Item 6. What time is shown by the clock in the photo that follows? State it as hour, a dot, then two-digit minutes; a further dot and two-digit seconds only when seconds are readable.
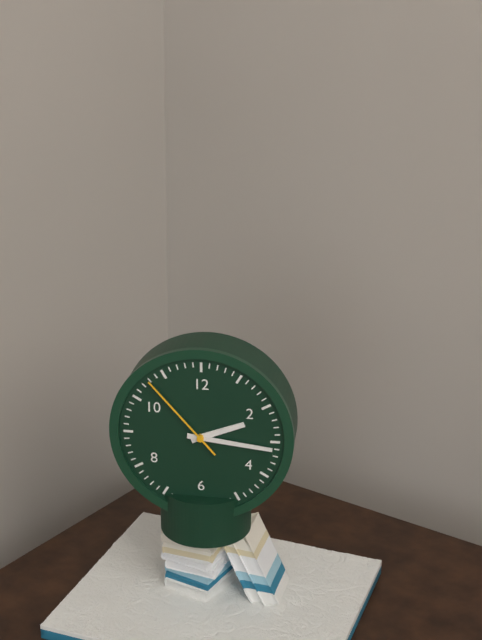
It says 2.16.53
